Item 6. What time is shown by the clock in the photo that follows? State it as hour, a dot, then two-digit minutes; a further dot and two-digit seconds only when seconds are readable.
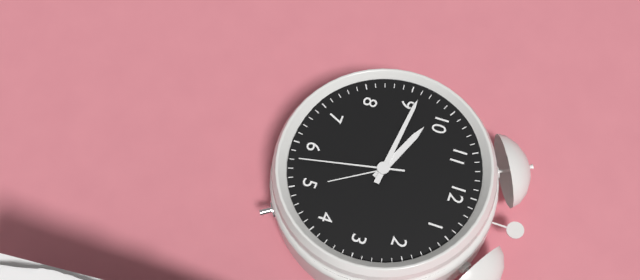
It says 9.46.28
